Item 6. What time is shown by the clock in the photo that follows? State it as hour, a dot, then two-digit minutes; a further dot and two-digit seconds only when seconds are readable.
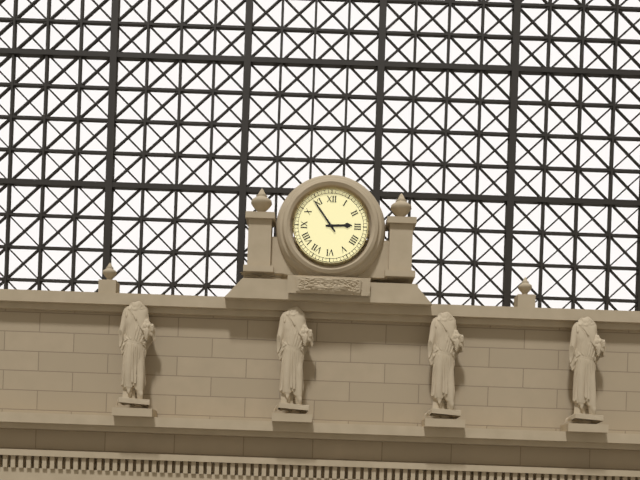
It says 2.54
